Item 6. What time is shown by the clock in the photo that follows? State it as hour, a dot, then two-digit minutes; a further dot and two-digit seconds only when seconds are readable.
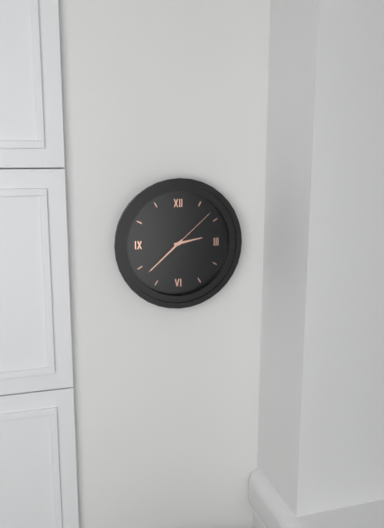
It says 2.38.08
